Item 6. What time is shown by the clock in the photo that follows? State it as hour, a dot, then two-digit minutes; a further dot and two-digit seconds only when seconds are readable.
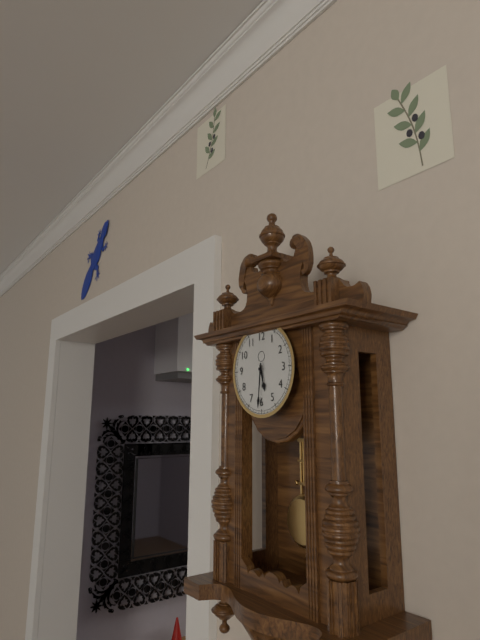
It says 5.31
